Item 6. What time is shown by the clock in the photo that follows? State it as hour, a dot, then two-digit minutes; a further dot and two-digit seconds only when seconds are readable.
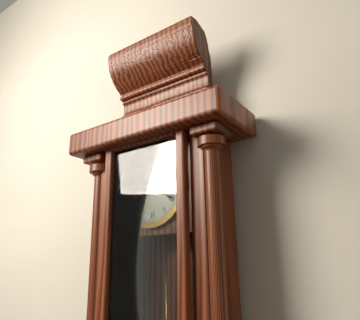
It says 11.20
